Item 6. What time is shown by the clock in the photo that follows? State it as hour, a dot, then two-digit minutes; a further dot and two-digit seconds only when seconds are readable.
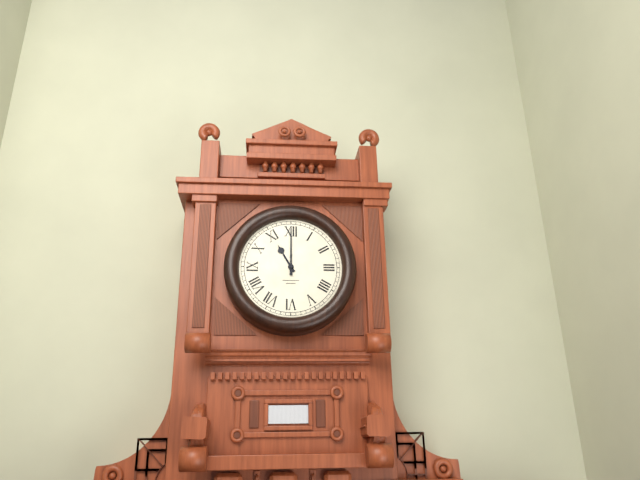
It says 11.00
